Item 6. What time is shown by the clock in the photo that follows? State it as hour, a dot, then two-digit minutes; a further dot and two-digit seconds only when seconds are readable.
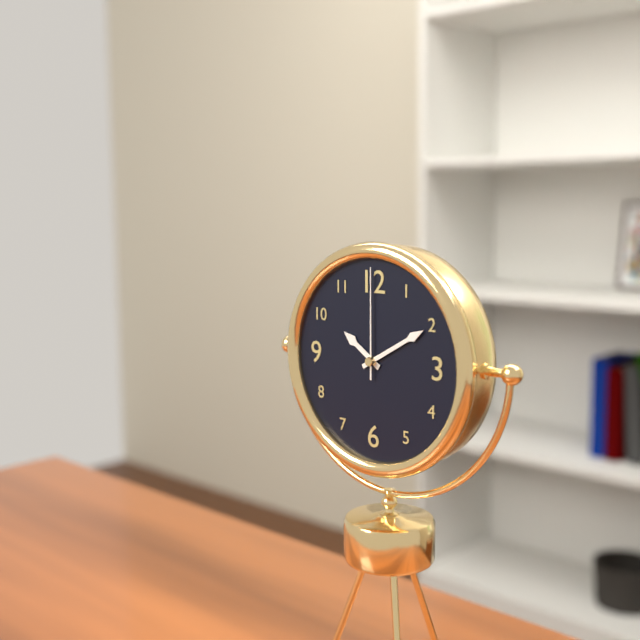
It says 10.10.00
